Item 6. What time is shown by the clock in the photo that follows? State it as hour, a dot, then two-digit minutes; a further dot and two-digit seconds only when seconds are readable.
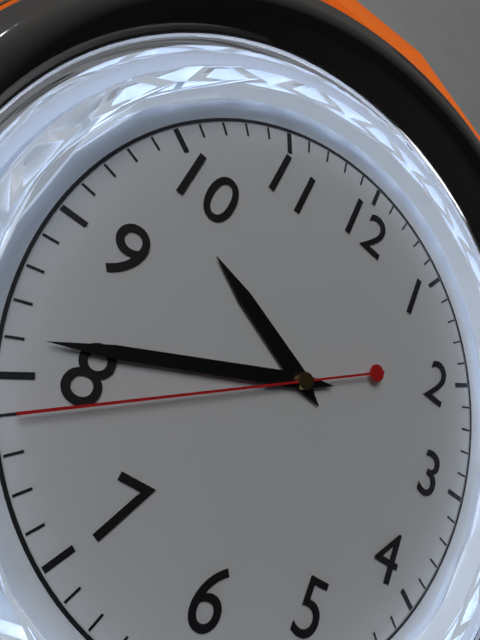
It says 9.41.39
